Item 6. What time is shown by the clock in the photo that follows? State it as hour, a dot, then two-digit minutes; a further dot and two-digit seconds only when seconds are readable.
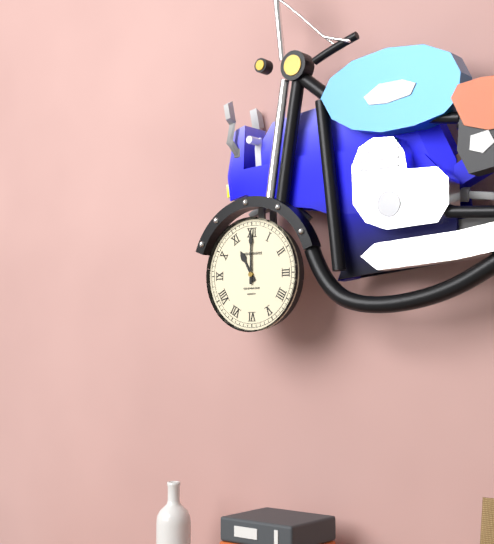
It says 11.00
